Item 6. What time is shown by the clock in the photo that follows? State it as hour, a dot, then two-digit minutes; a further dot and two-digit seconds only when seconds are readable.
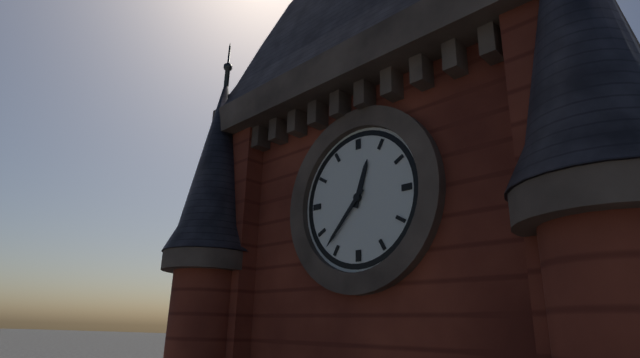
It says 12.37
